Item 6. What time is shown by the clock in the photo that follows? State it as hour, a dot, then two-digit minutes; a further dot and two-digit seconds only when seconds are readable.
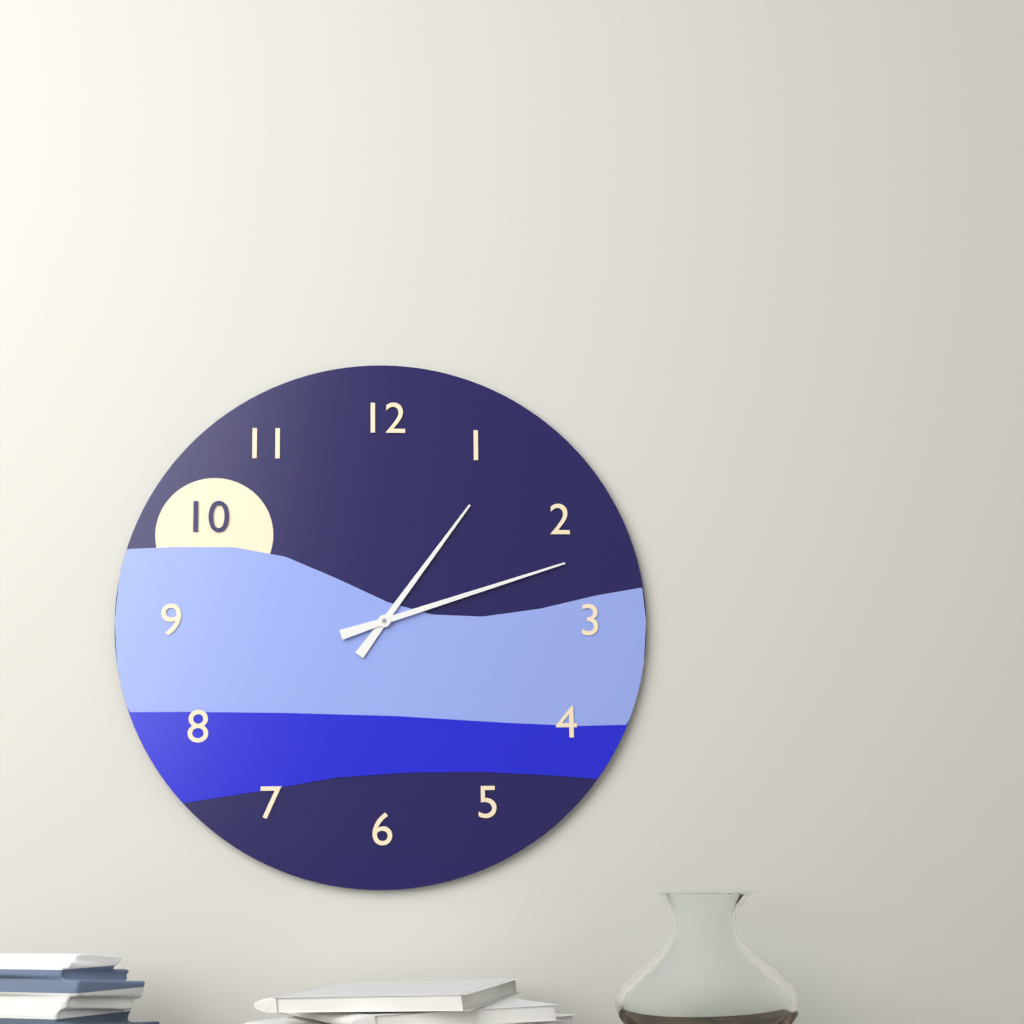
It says 1.12
